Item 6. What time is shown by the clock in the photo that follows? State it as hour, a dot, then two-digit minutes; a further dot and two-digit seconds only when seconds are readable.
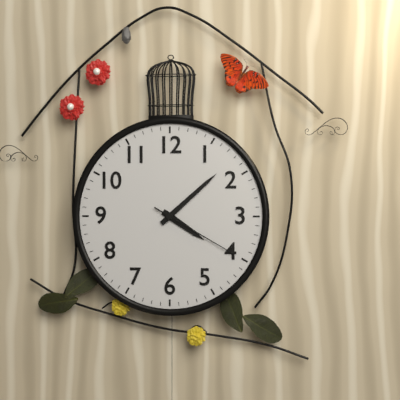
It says 4.08.20
